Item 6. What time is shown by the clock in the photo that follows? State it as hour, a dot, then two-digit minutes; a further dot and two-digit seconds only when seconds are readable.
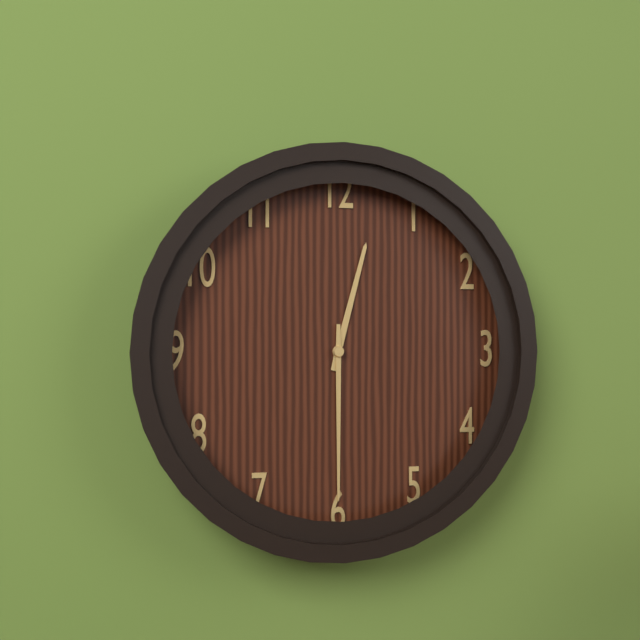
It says 12.30
